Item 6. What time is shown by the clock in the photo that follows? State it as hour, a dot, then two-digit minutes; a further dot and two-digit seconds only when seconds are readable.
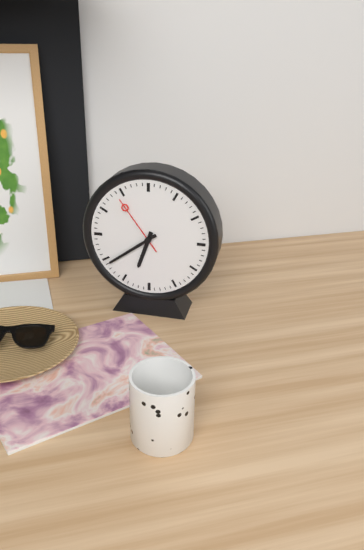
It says 6.39.54
